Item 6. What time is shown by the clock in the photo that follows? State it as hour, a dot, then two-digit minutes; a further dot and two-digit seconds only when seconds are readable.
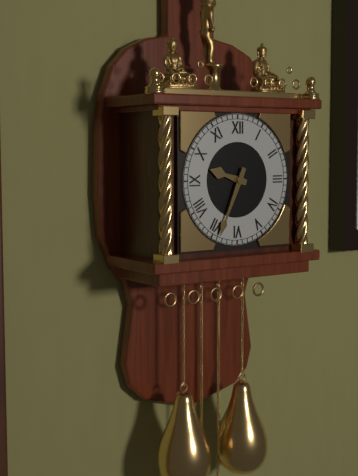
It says 9.34
